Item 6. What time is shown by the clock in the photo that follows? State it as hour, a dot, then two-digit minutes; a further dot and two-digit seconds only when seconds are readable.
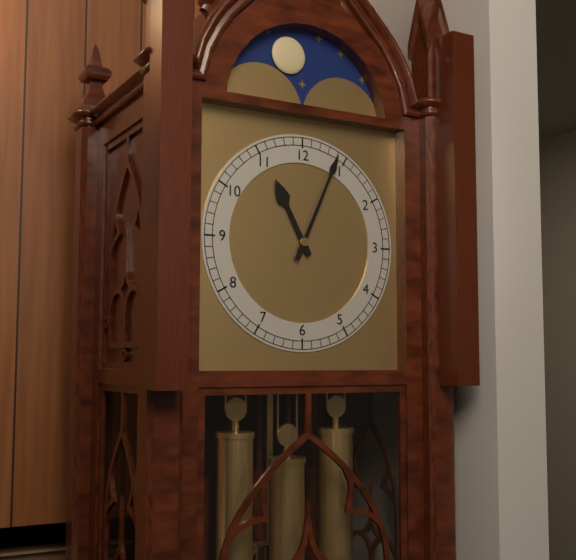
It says 11.04
